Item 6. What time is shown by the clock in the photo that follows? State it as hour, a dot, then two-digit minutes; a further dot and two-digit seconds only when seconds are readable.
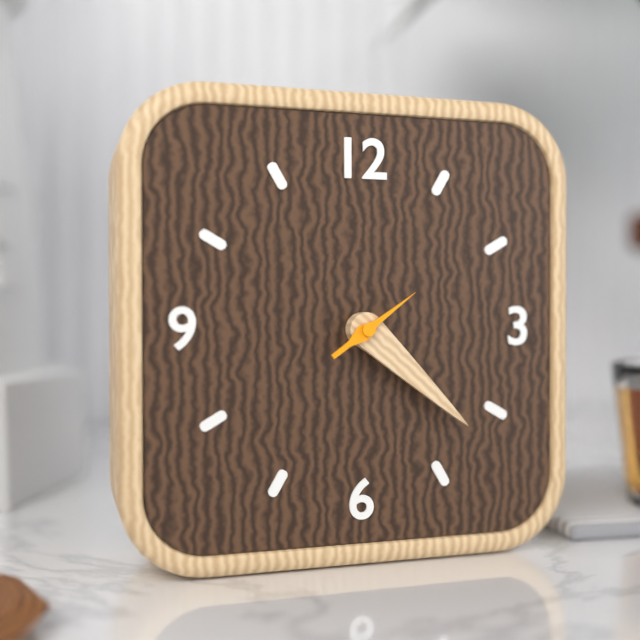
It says 4.22.09
